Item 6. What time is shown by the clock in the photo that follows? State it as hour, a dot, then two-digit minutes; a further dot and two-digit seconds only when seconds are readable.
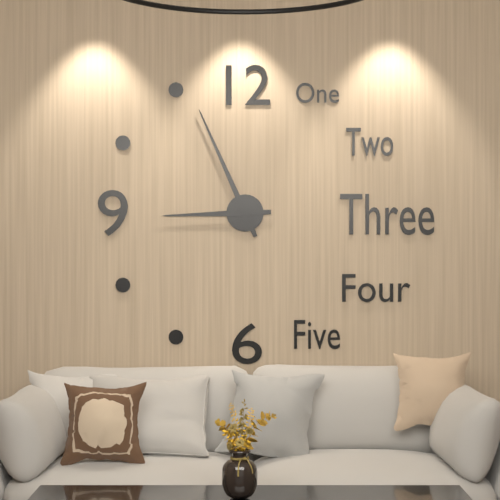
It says 8.56
